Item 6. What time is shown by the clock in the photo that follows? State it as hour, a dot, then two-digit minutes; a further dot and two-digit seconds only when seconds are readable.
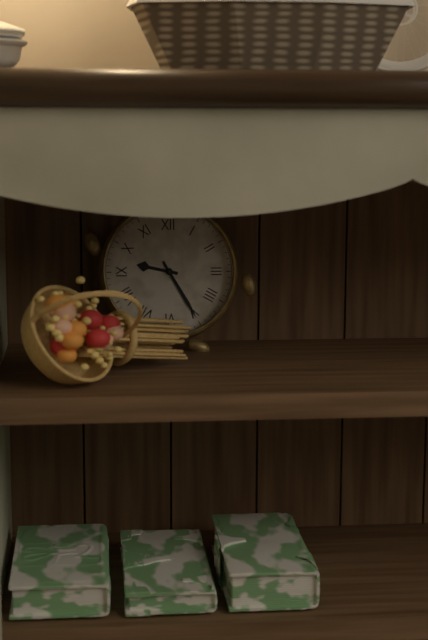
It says 9.25
